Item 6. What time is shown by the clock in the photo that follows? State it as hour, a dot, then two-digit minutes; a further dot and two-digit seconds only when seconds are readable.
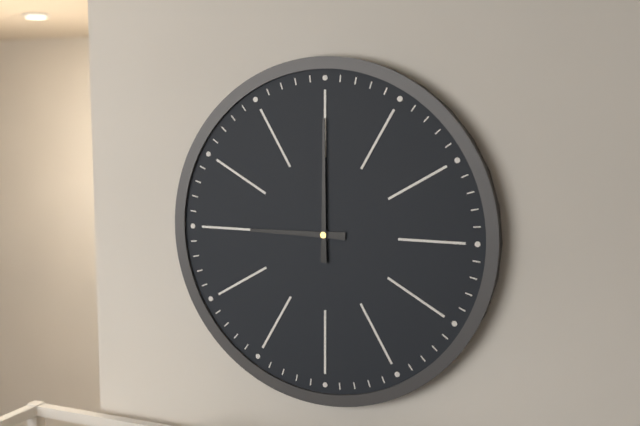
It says 9.00
